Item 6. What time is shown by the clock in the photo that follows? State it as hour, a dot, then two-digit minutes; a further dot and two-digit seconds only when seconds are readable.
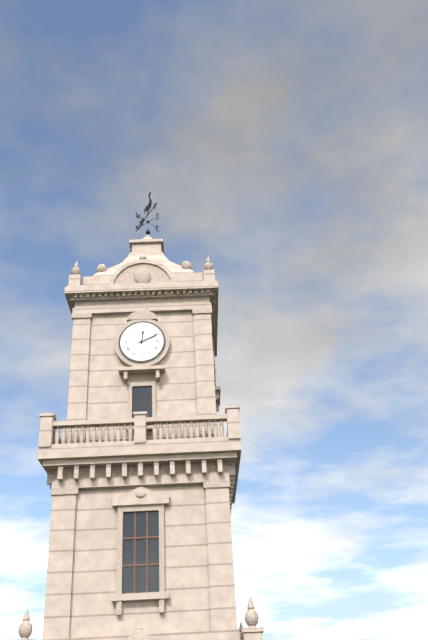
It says 12.11
